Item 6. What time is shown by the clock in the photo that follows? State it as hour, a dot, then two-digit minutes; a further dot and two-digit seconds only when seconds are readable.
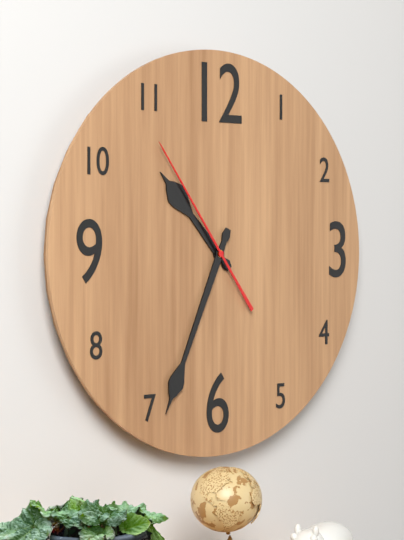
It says 10.34.54
